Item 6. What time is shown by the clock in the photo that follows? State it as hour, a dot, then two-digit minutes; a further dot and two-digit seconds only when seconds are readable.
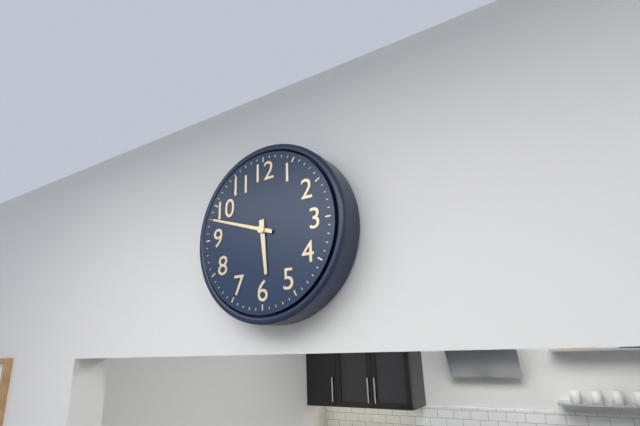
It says 5.48
